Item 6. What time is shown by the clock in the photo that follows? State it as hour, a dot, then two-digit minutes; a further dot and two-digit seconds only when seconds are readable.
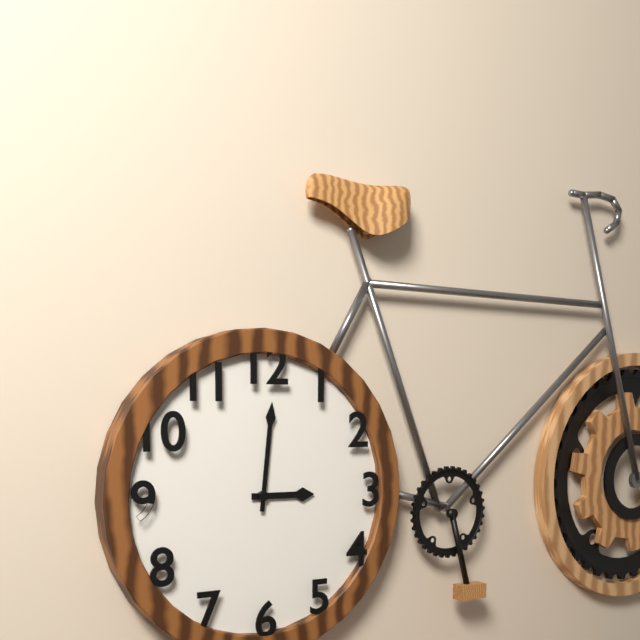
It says 3.01
